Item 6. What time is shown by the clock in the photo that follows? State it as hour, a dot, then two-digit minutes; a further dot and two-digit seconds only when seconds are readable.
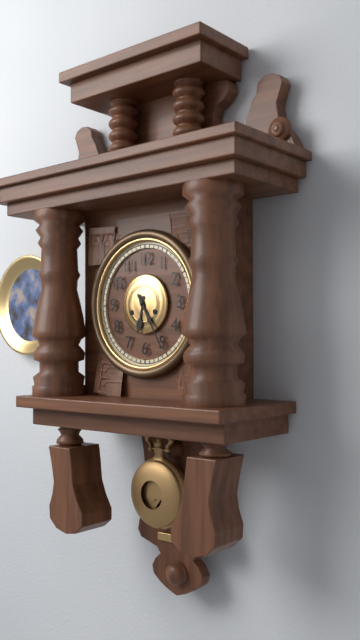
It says 6.25
